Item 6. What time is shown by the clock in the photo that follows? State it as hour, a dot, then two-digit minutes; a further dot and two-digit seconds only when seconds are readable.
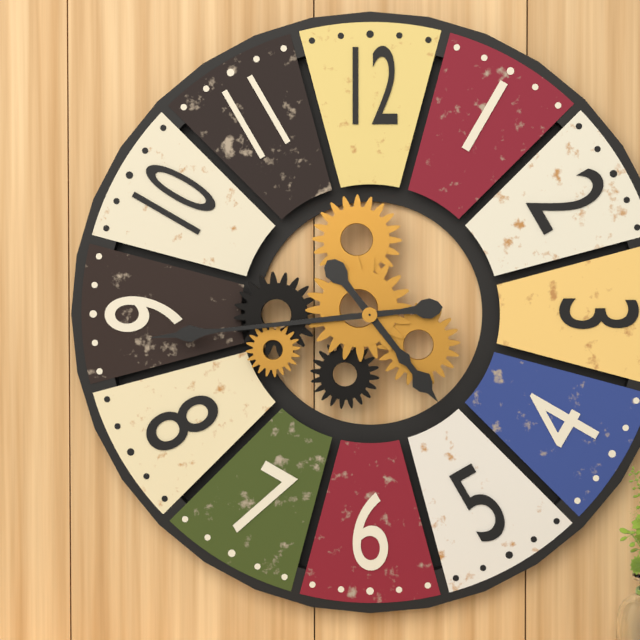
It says 4.44
